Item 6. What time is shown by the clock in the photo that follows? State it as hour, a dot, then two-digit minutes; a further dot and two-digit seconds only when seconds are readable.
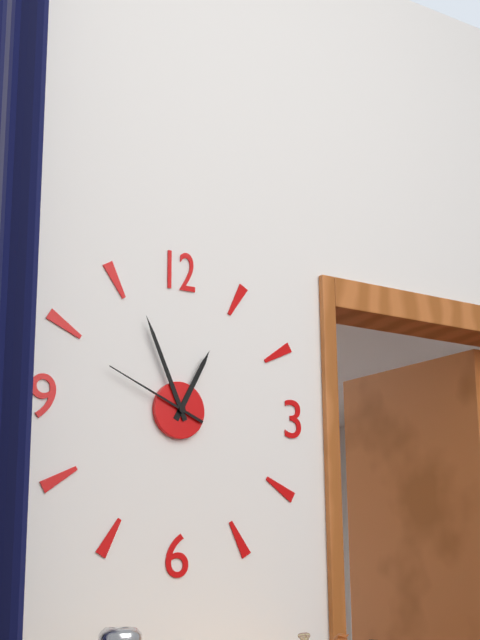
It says 12.56.49
